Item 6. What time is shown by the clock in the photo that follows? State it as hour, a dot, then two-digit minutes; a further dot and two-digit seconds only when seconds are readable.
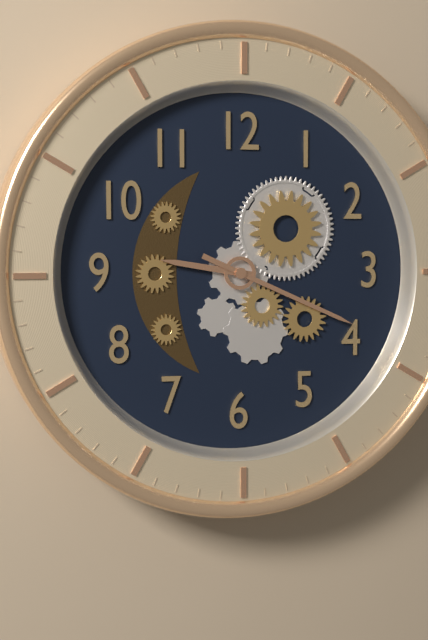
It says 9.19
